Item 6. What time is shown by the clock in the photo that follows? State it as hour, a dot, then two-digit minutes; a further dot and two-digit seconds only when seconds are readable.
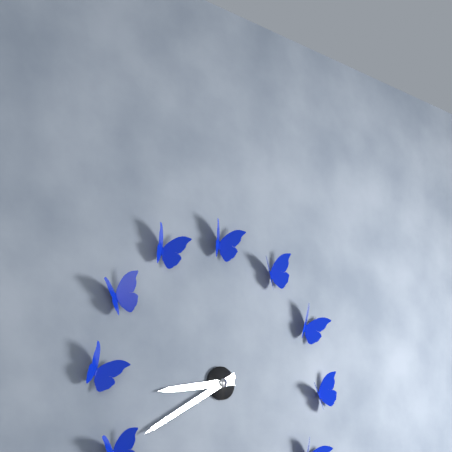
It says 8.40
